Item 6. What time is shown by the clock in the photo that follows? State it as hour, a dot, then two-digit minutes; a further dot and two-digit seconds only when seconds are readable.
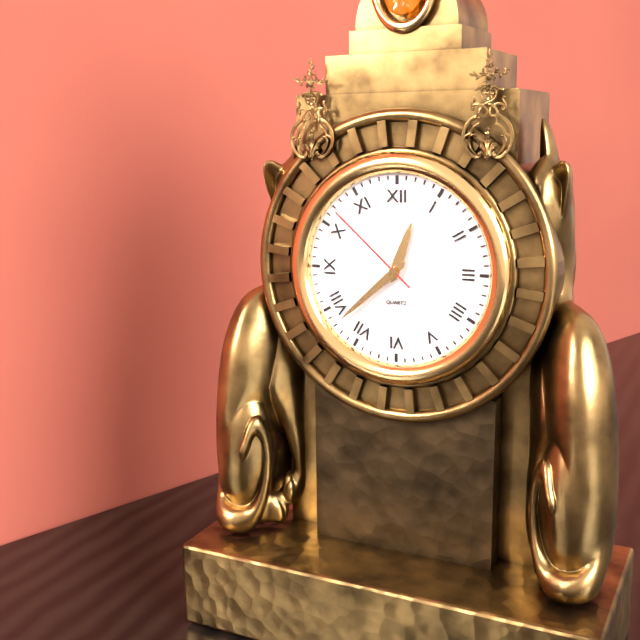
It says 12.38.52
